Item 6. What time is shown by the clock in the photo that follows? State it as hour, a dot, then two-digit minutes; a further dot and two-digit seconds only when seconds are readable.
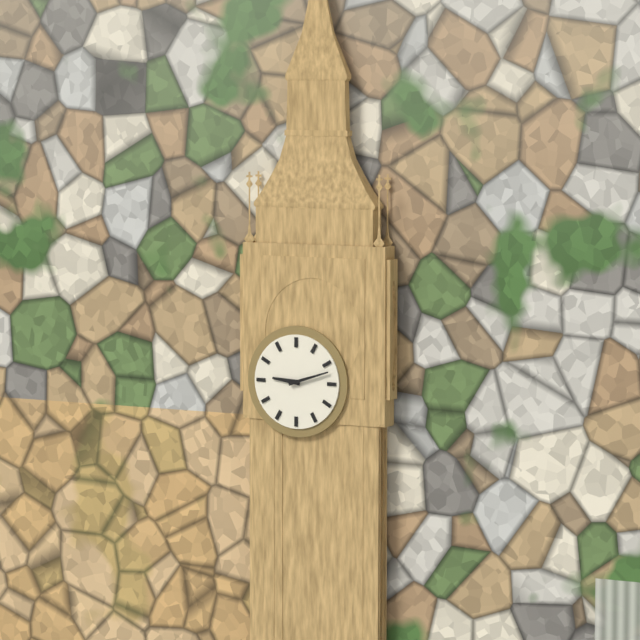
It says 9.12
